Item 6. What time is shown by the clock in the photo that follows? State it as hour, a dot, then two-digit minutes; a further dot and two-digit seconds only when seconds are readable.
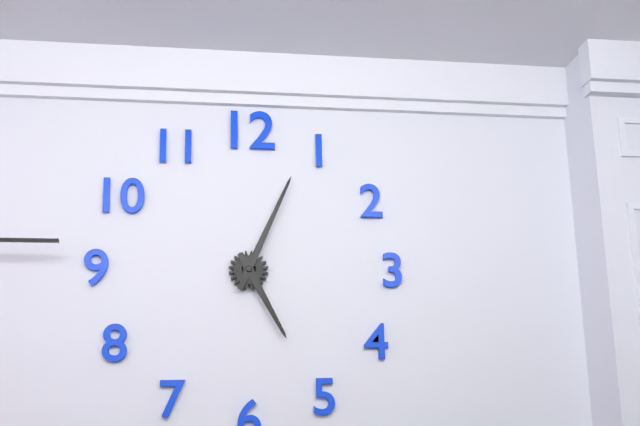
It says 5.04
